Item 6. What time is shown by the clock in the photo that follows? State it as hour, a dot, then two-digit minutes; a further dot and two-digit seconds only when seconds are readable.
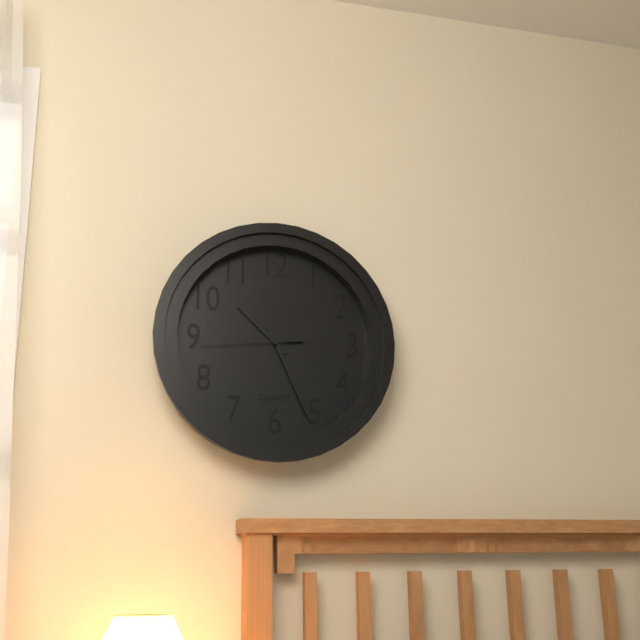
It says 10.26.44
